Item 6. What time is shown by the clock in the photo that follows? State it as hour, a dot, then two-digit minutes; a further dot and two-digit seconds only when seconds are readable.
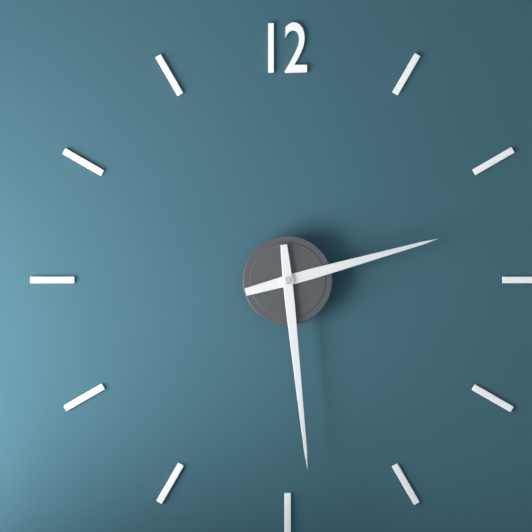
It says 2.29
